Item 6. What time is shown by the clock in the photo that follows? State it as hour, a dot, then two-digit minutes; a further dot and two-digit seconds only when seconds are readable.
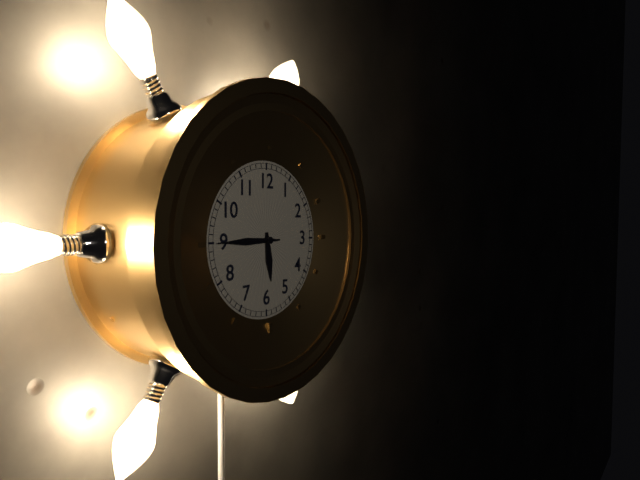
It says 5.45.45
